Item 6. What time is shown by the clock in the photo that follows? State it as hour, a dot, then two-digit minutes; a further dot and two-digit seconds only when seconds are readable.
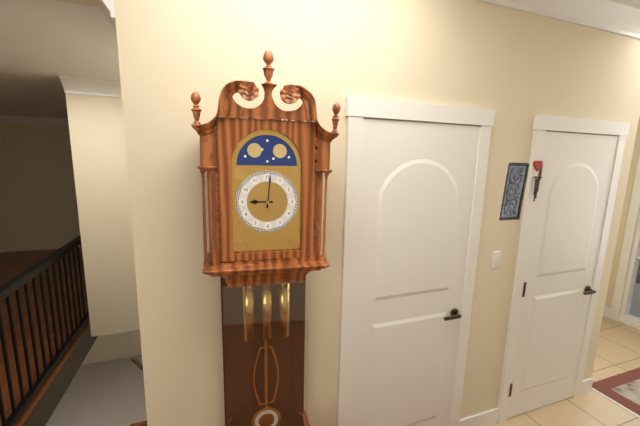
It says 9.01
